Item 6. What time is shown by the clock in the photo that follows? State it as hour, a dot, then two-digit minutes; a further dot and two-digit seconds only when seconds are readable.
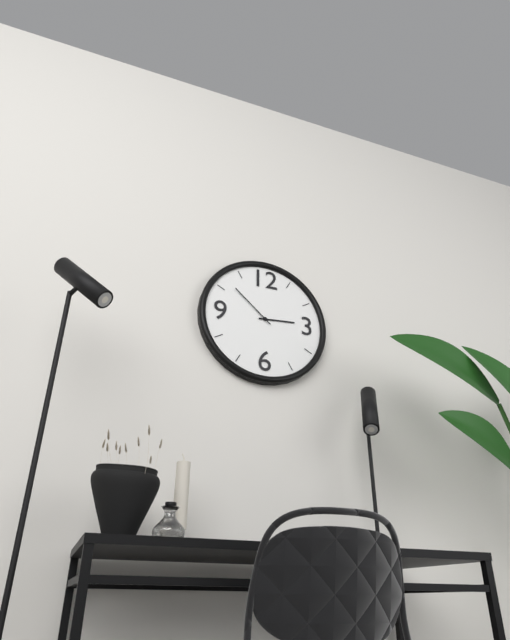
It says 2.52
